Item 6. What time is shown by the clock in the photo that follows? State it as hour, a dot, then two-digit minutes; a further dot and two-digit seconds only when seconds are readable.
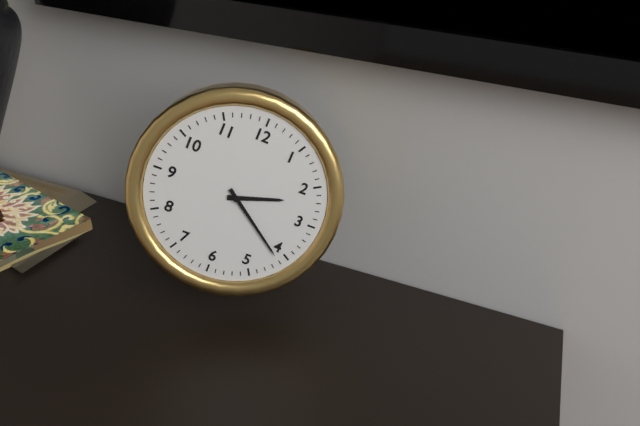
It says 2.21
